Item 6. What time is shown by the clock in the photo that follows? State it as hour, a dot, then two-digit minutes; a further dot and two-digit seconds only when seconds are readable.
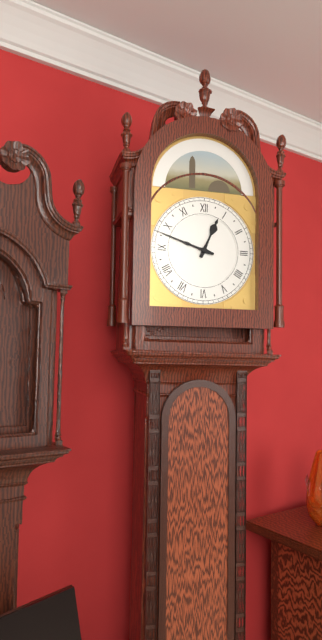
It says 12.48
